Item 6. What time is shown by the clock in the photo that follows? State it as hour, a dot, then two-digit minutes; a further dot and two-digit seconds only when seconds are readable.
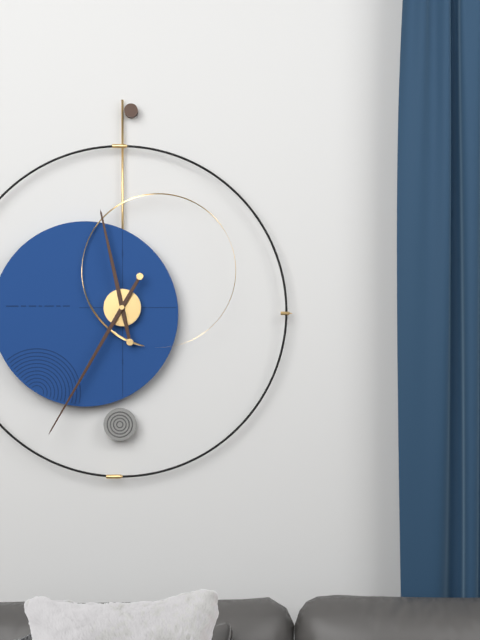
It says 11.35
